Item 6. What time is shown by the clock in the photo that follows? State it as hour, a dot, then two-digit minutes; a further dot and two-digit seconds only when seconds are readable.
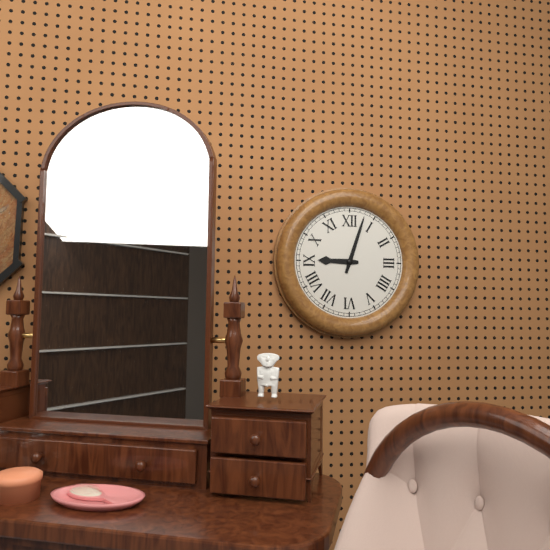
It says 9.03
